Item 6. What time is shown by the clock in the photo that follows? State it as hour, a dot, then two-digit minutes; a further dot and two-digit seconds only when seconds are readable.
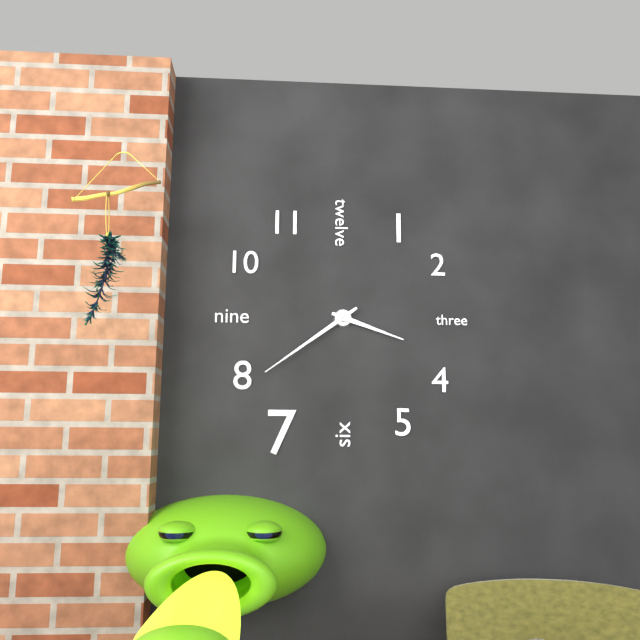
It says 3.39
